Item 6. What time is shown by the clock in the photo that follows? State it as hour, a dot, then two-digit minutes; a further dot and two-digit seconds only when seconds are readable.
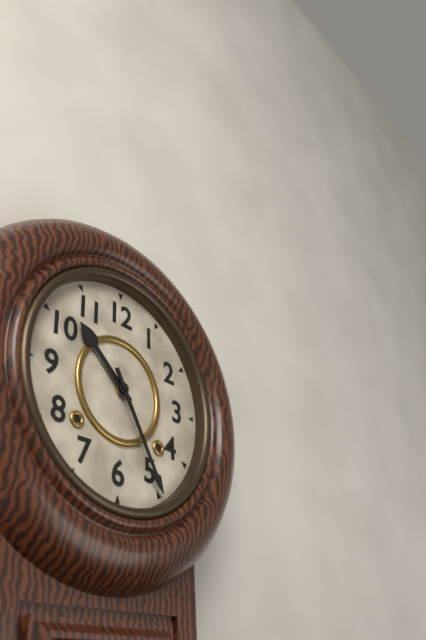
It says 10.25
